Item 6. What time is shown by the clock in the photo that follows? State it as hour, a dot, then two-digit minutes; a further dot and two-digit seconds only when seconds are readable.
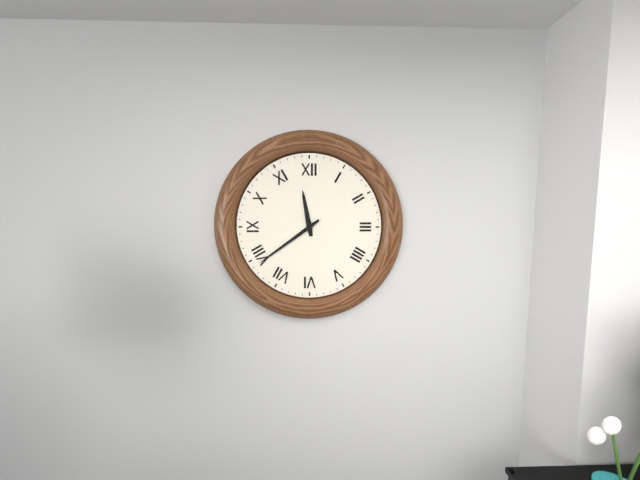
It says 11.39
